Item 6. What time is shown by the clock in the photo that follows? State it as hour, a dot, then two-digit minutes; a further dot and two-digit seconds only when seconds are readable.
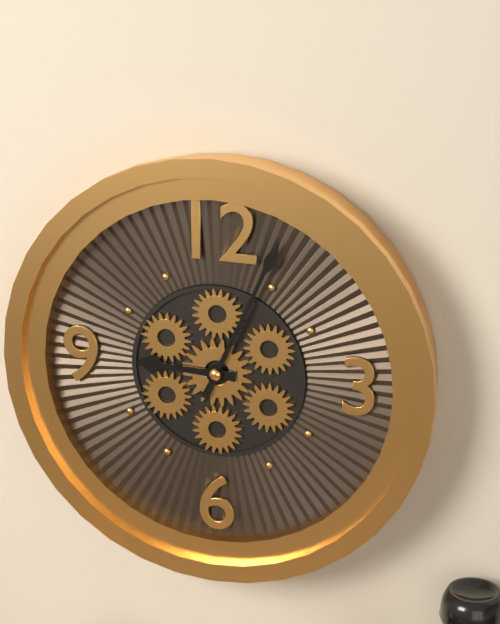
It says 9.04
